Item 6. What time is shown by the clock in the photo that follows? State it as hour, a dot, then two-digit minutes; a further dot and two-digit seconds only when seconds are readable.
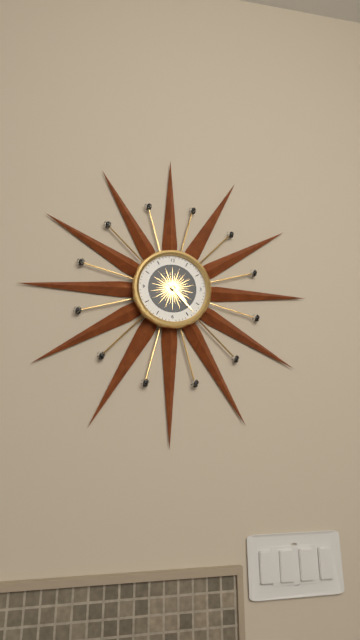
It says 4.23
